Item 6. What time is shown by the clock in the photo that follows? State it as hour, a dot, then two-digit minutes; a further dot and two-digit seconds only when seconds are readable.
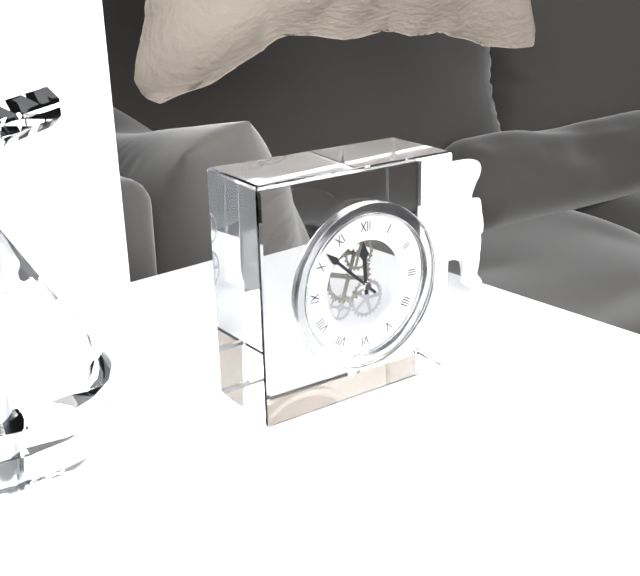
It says 11.52
